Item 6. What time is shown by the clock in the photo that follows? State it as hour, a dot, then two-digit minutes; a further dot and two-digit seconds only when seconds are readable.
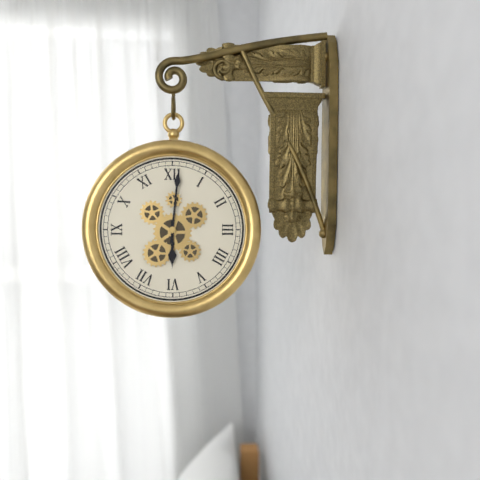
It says 6.01
